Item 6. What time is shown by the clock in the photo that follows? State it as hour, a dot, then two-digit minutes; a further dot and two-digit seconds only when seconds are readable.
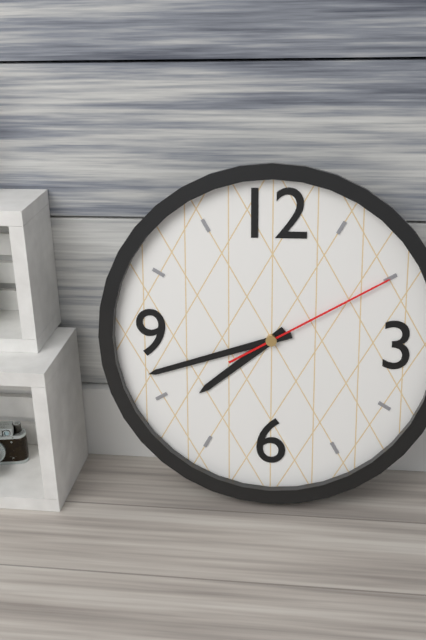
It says 7.42.10
